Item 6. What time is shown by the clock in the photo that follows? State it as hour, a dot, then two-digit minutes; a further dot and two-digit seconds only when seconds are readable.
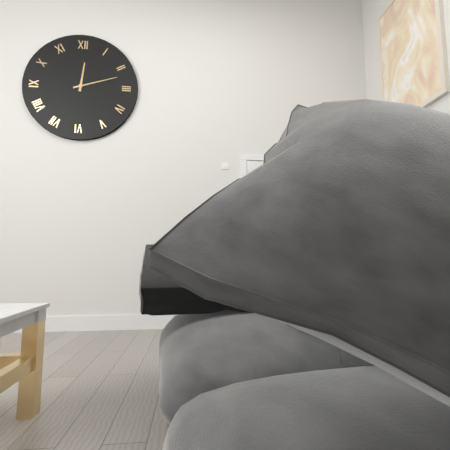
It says 12.12
